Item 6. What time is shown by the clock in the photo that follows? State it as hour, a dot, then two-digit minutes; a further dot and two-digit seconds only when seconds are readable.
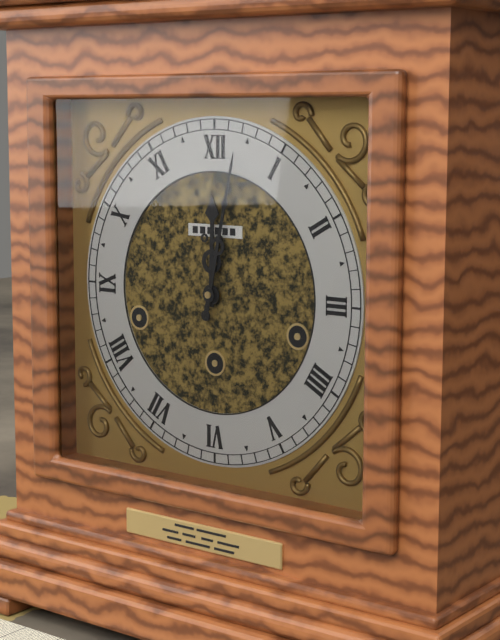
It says 12.02
